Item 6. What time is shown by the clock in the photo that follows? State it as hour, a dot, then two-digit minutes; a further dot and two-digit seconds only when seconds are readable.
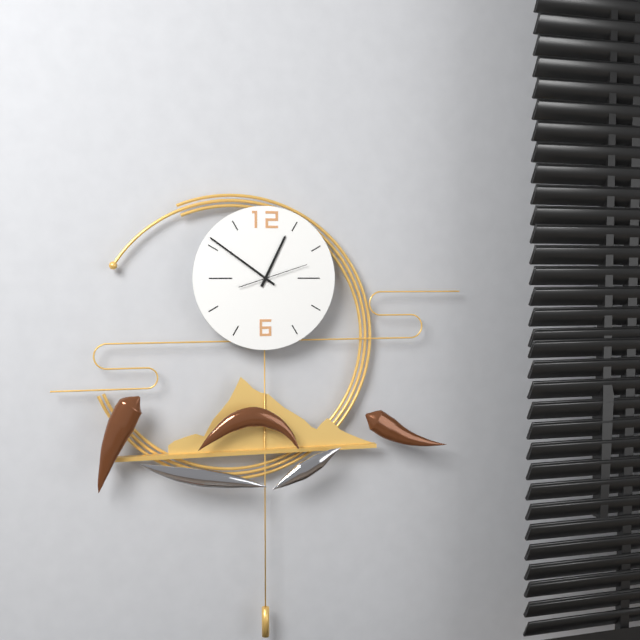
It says 12.51.12
